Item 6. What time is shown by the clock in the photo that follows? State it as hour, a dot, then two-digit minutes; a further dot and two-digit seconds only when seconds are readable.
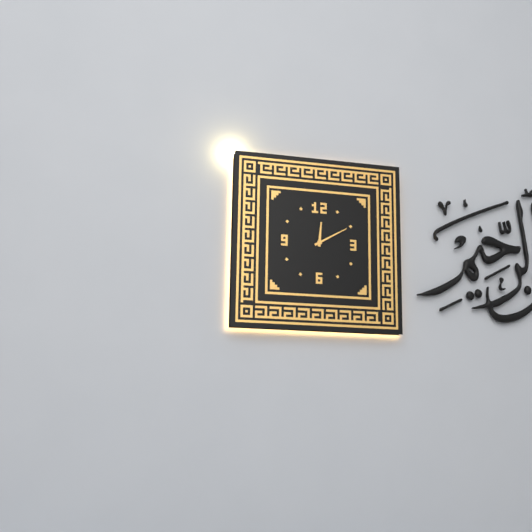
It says 12.10
